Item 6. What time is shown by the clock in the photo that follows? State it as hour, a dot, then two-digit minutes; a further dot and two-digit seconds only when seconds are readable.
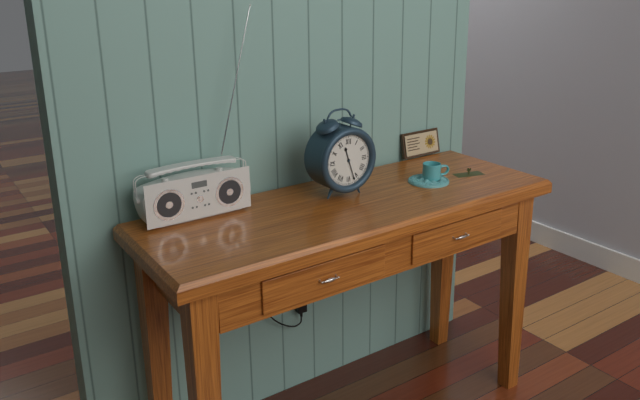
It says 11.27
